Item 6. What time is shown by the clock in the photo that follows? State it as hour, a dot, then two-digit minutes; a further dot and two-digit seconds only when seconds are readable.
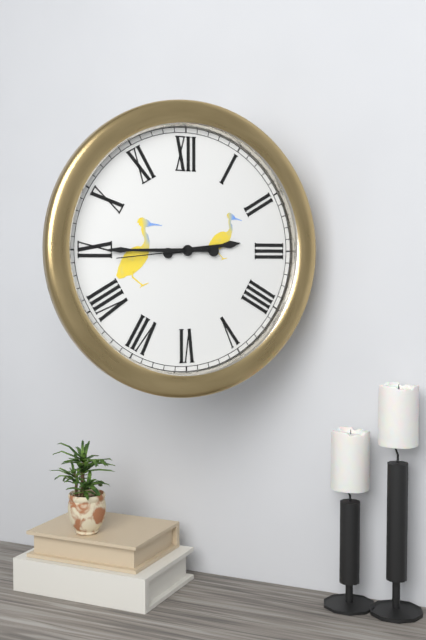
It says 2.45.44
